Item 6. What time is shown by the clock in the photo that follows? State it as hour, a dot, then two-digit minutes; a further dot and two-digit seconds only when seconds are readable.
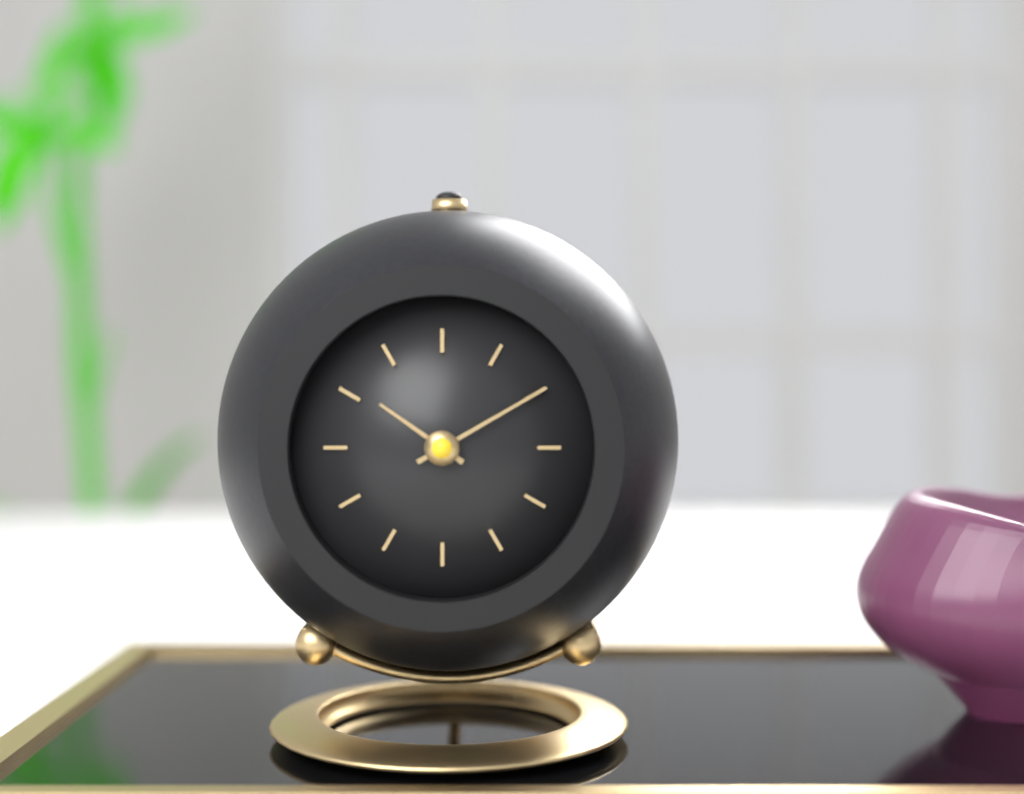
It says 10.10
